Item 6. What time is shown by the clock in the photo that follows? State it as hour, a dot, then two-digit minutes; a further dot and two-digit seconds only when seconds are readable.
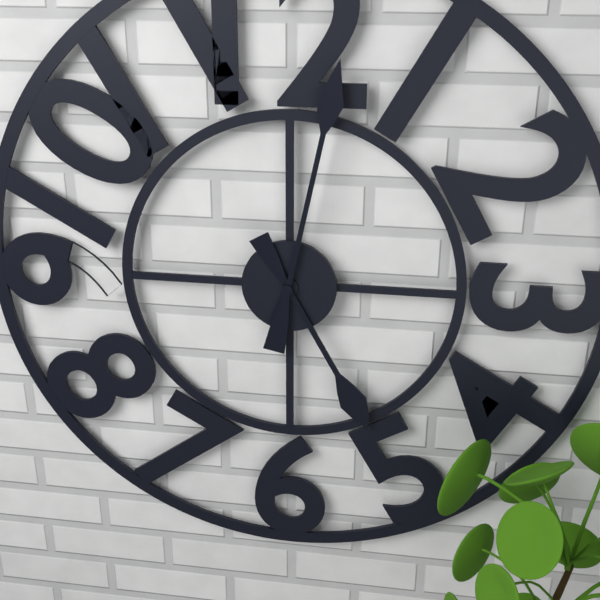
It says 5.02
